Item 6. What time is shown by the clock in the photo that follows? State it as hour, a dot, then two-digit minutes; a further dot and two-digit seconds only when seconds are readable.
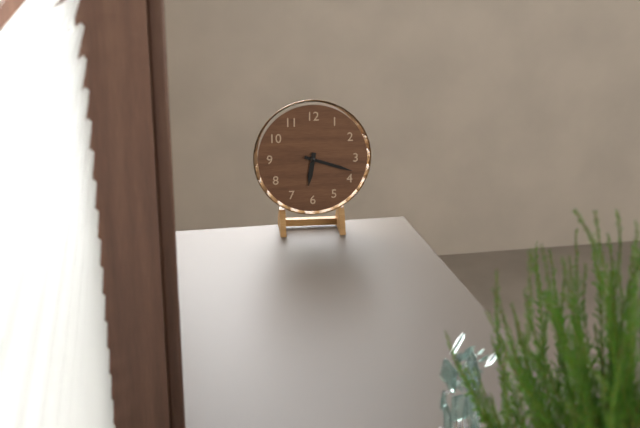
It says 6.18
